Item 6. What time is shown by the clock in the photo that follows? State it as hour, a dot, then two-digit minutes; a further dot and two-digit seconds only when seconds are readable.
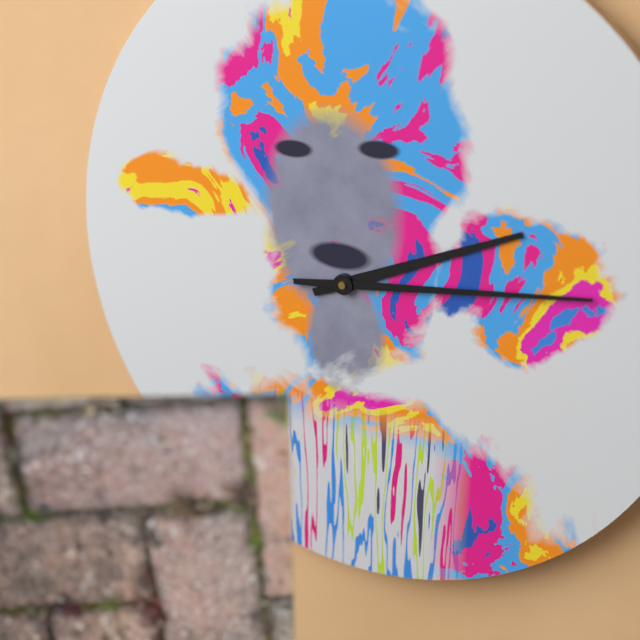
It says 2.14
